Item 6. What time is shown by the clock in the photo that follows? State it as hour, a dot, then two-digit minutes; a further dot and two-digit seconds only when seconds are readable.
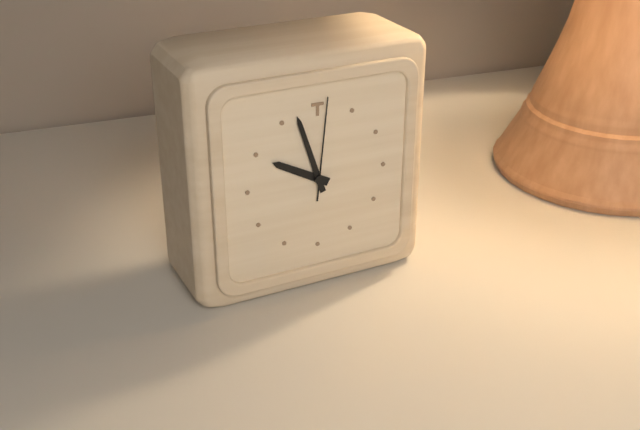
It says 9.57.01
